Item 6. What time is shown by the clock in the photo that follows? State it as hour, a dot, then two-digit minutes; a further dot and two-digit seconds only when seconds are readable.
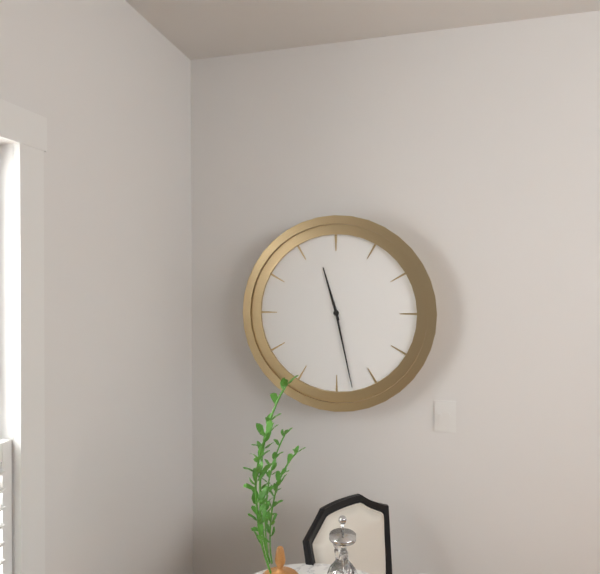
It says 11.28
